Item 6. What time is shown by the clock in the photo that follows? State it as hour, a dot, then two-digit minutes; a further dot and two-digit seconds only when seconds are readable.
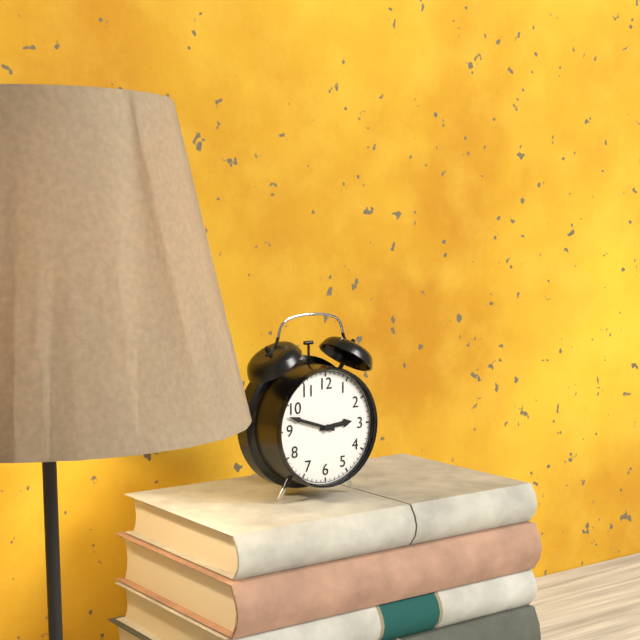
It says 2.48
